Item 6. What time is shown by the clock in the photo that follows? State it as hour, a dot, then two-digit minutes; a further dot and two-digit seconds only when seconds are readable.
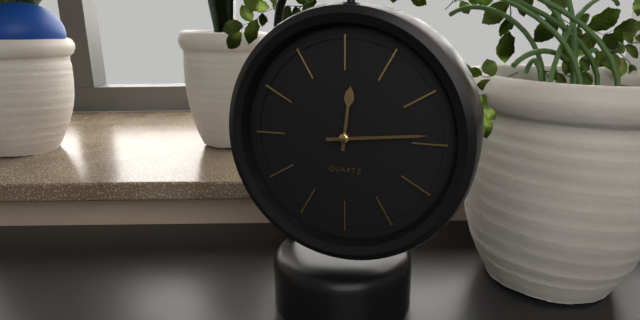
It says 12.14
